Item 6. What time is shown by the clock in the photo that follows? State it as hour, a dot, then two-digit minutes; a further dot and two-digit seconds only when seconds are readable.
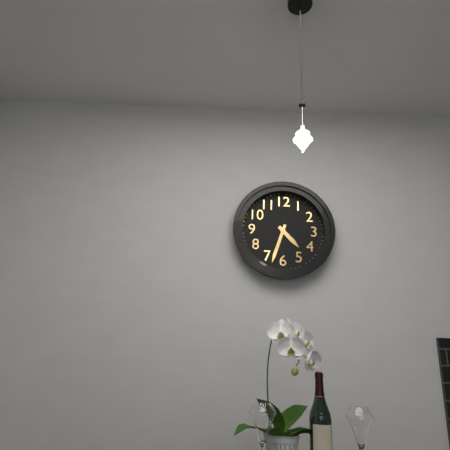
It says 4.33
